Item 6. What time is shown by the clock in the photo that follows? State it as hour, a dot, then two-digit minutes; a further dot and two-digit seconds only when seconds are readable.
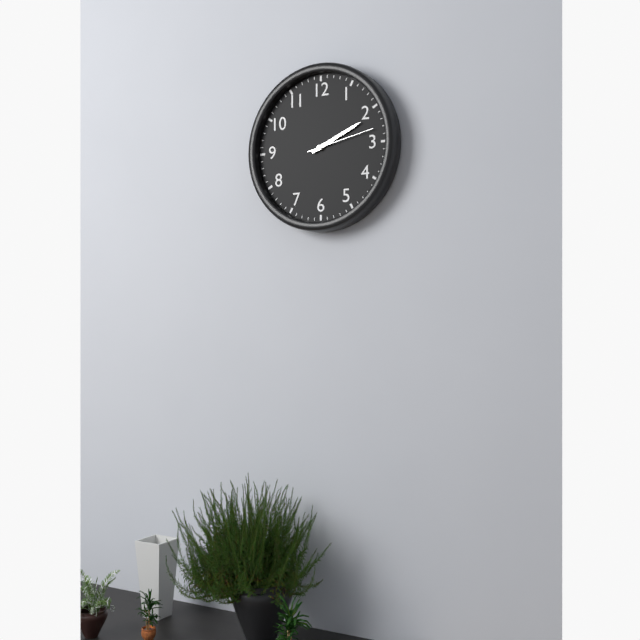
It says 2.11.13
